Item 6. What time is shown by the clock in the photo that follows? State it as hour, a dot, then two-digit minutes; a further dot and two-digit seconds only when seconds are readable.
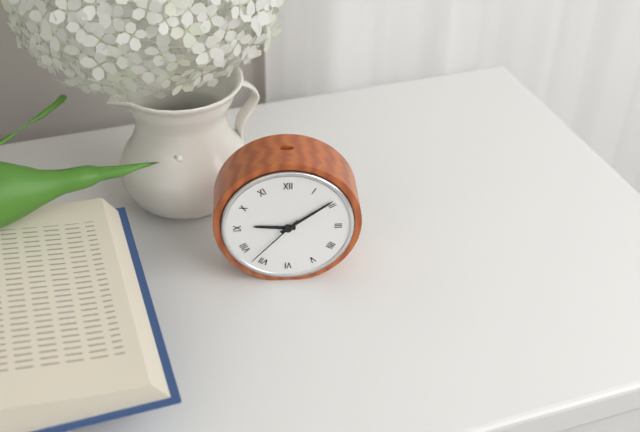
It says 9.09.37
